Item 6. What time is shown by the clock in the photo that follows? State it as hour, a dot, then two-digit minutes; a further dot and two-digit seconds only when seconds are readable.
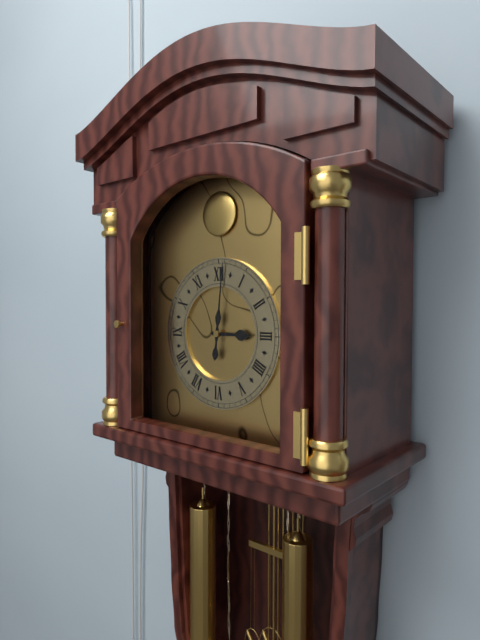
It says 3.01
